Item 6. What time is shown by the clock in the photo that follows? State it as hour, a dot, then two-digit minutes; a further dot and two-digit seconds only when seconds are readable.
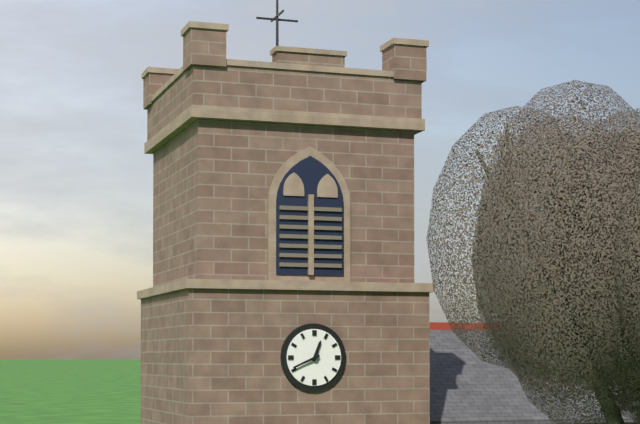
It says 12.41
